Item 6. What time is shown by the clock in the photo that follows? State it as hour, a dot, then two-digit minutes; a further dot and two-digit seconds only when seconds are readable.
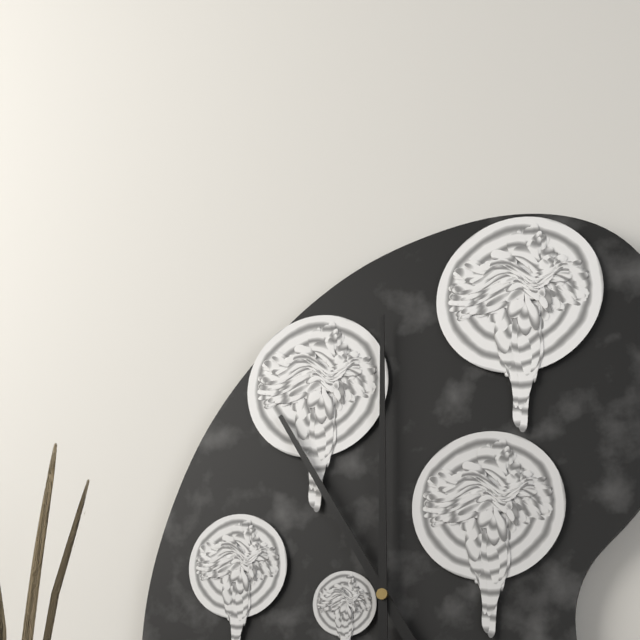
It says 11.00
